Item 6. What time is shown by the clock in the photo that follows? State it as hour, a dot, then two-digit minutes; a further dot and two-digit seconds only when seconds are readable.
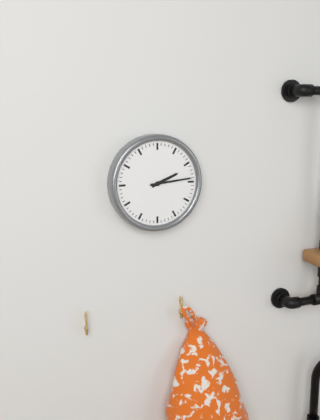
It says 2.14
